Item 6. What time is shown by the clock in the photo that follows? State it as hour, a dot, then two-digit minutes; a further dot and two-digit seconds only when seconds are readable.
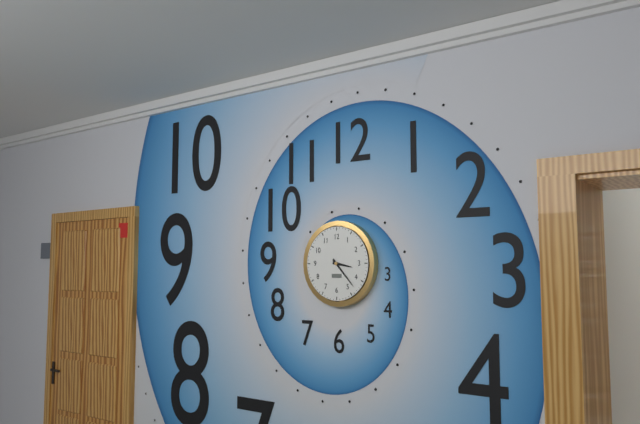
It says 3.23
